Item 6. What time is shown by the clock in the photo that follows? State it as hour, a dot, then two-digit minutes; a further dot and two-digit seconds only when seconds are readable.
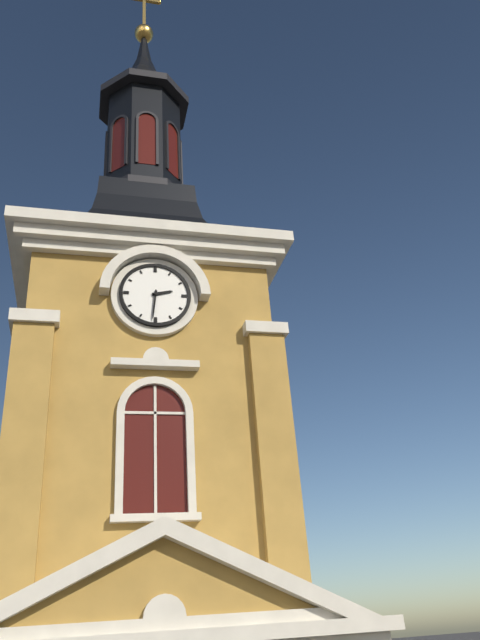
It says 2.31
